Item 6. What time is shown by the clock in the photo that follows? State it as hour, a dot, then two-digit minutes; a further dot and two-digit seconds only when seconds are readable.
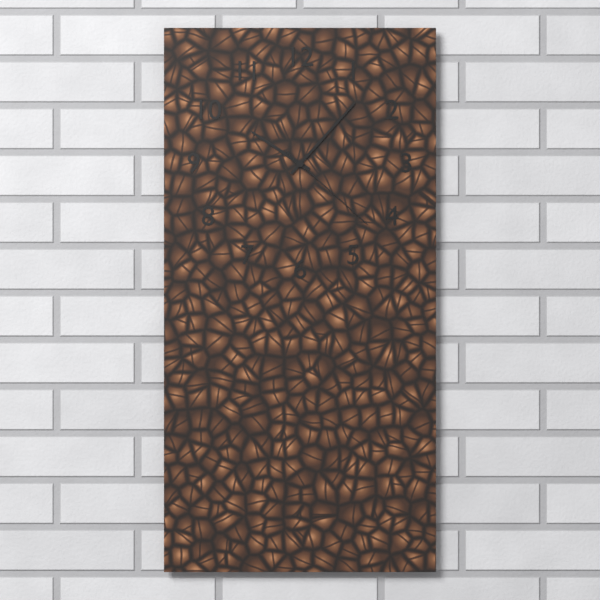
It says 10.07.22
